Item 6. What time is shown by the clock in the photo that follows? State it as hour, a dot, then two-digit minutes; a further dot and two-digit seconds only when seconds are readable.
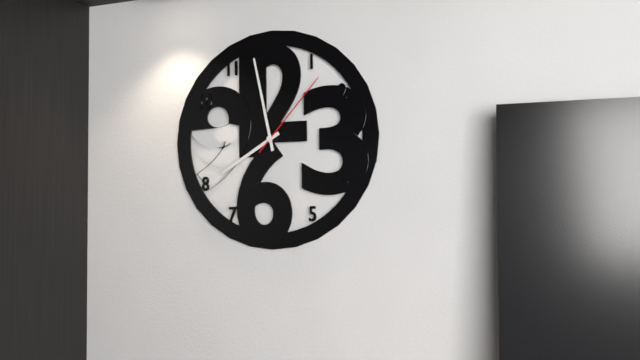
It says 7.58.07
